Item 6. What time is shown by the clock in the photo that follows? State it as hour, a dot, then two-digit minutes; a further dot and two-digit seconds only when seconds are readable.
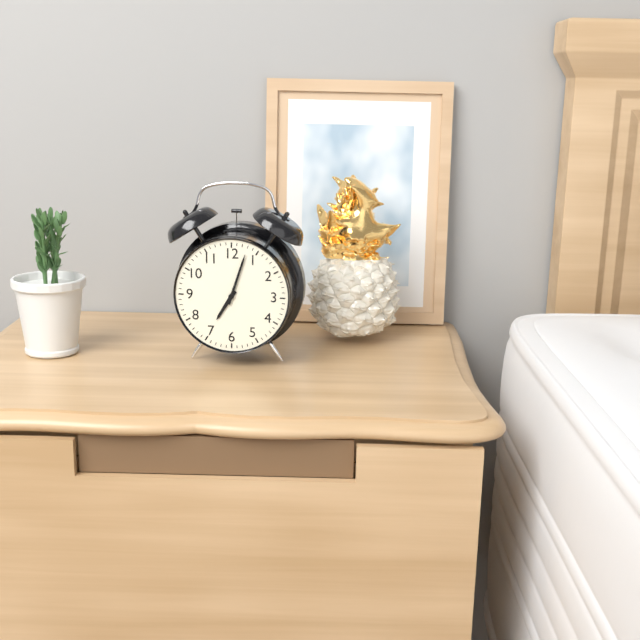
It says 7.03
